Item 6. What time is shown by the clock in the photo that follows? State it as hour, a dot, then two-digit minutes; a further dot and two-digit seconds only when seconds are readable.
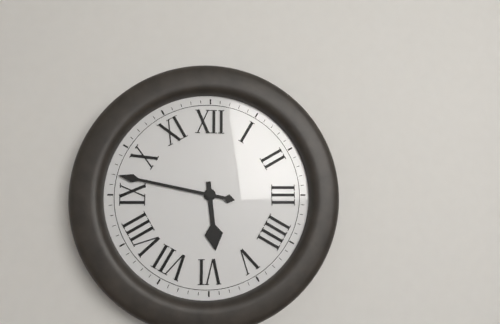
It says 5.47
